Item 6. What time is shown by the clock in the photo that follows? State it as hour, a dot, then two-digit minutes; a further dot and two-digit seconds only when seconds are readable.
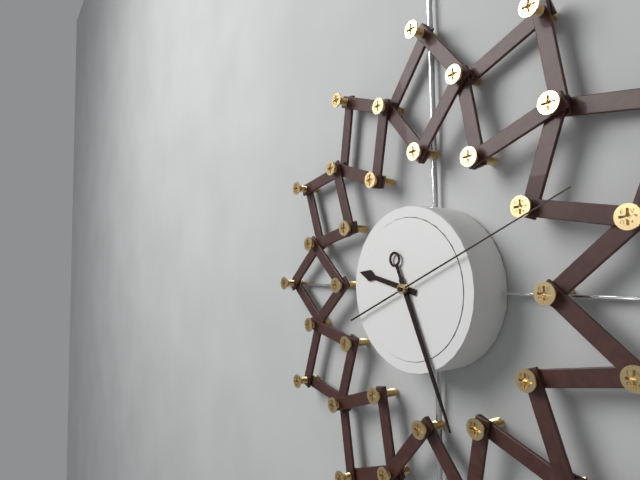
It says 9.26.11
